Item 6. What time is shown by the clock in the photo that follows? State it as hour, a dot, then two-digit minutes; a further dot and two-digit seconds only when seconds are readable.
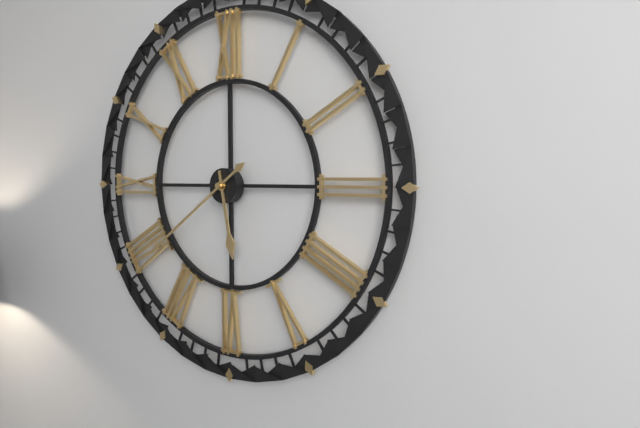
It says 5.39
